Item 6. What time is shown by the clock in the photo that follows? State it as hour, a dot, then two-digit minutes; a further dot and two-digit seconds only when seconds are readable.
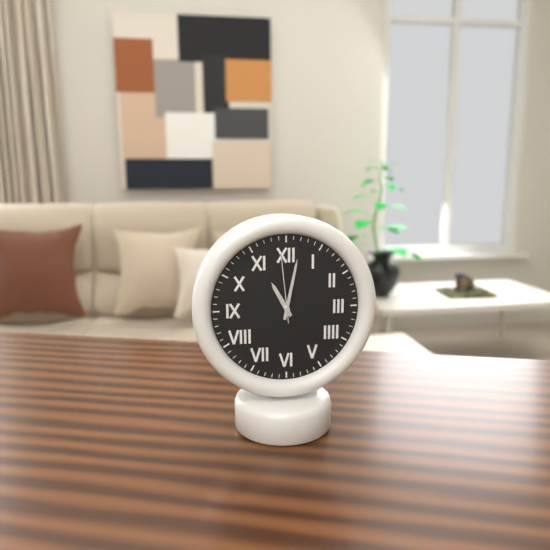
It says 11.02.59
